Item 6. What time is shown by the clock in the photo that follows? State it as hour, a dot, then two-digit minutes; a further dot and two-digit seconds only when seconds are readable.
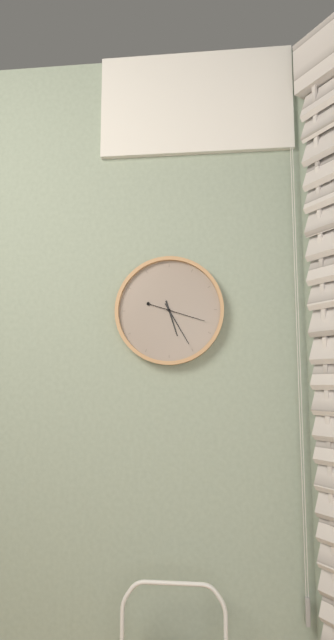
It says 5.25
